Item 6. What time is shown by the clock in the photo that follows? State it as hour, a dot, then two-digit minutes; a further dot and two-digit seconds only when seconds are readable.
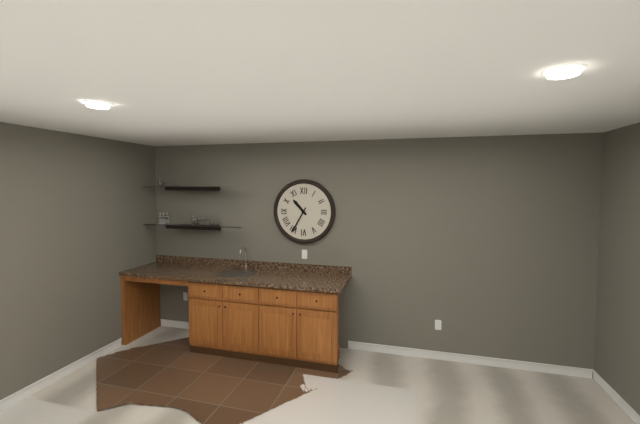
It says 10.35
